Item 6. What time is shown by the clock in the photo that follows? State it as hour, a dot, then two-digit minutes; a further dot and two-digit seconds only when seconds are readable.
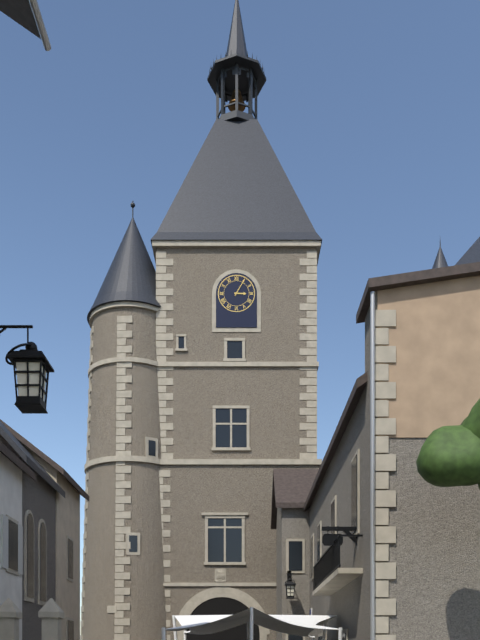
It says 3.05
